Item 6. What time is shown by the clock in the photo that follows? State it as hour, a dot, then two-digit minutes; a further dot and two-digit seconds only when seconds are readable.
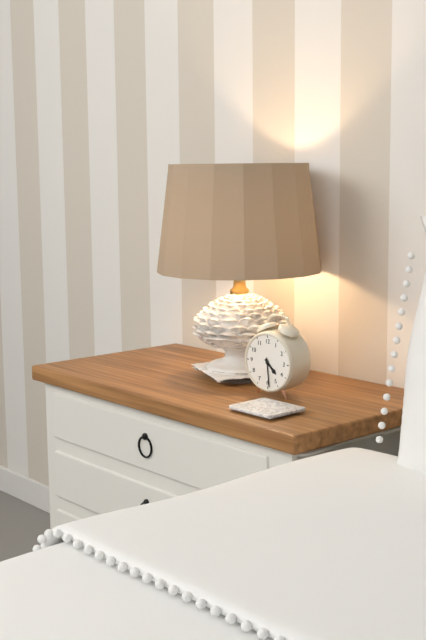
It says 4.29
